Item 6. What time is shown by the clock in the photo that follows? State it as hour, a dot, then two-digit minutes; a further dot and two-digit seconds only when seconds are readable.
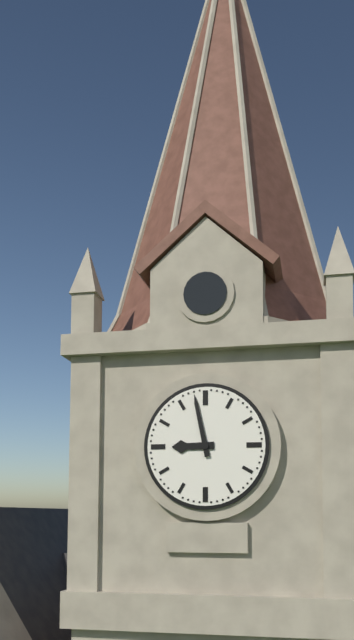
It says 8.58
